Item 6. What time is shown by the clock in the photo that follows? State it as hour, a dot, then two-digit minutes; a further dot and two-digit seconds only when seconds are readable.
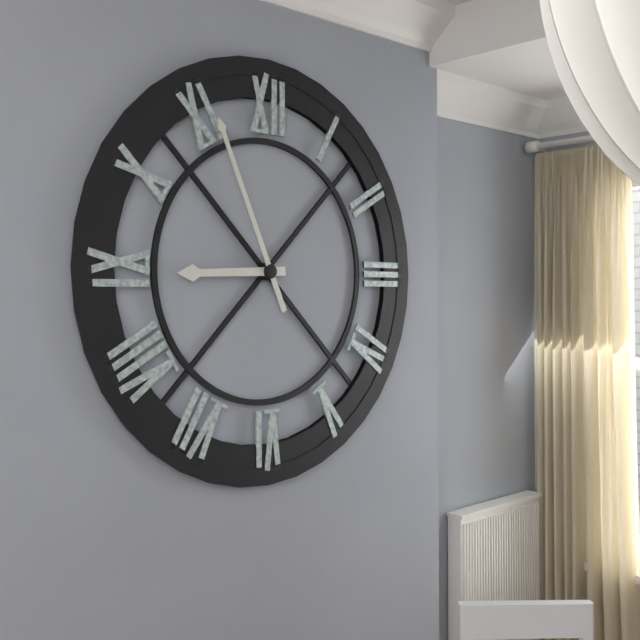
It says 8.56
